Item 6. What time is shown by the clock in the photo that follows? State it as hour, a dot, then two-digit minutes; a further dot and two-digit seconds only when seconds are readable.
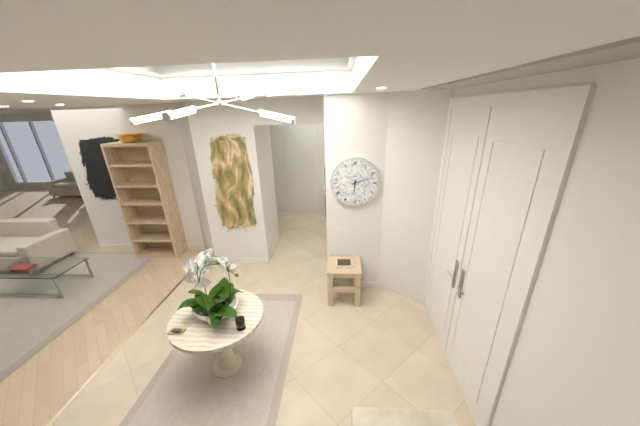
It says 6.12
